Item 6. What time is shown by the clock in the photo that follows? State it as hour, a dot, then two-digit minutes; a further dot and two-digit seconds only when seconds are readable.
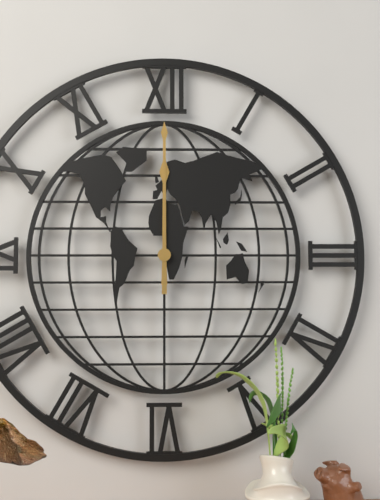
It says 12.00
